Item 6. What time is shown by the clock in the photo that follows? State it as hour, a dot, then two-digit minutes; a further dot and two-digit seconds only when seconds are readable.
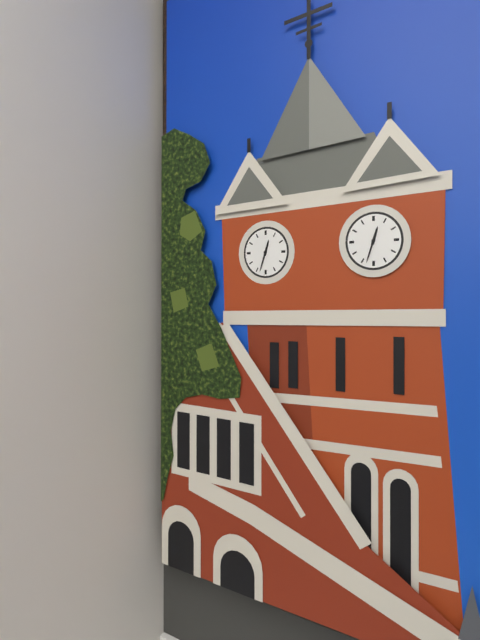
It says 12.33
